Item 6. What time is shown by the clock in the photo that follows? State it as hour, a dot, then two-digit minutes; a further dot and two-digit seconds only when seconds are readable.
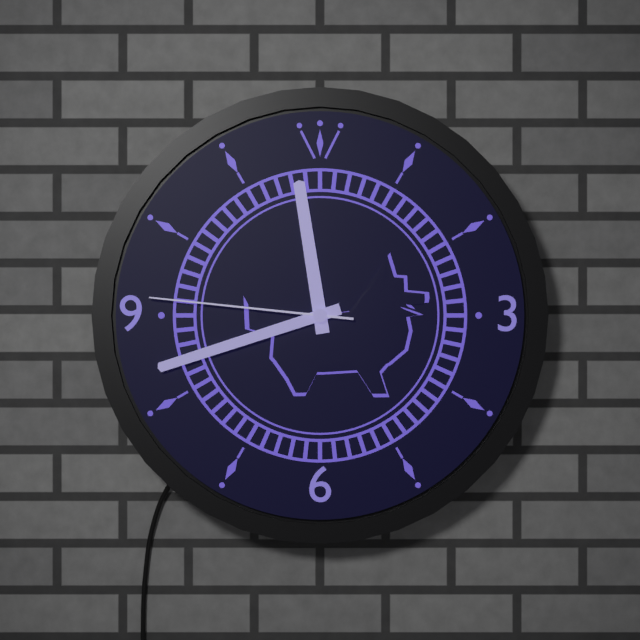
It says 11.42.46
